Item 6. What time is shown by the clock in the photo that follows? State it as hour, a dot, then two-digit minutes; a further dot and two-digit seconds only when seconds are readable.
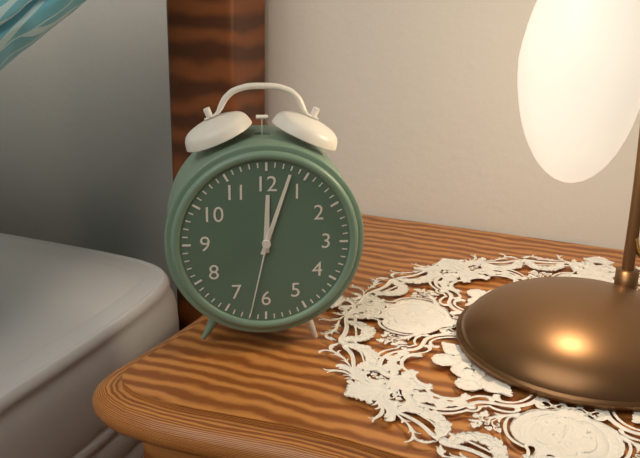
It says 12.03.32
